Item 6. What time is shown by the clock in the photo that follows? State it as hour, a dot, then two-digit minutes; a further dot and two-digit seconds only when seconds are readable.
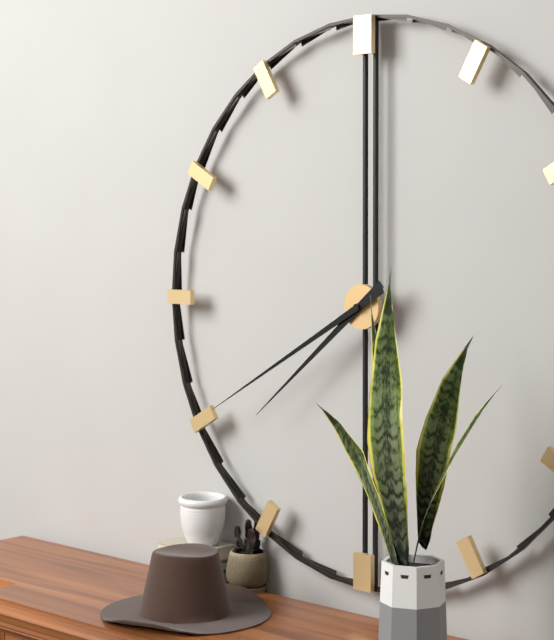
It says 7.40
